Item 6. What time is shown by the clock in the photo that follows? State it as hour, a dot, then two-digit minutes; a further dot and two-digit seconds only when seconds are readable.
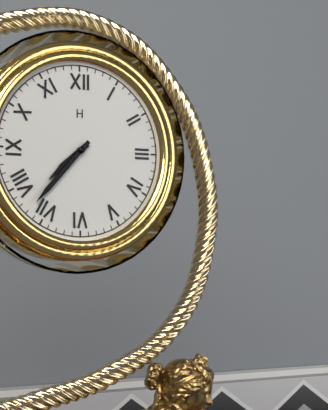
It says 7.37
